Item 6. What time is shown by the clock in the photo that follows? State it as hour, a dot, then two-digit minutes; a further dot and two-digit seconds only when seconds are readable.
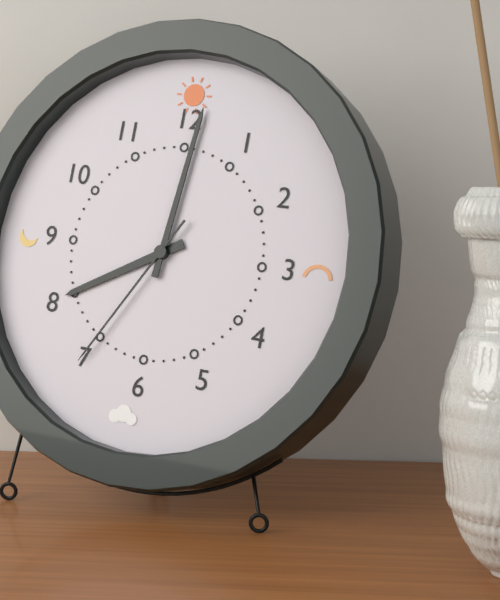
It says 8.01.35
